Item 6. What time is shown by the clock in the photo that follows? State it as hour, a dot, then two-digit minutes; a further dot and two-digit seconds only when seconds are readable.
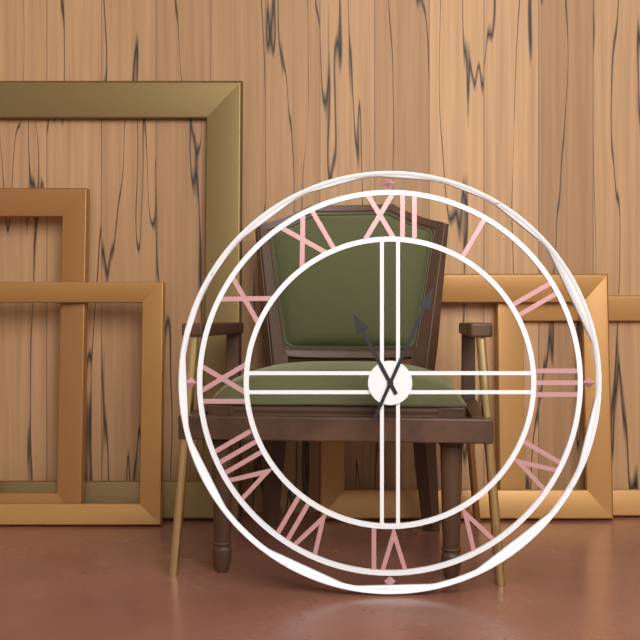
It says 11.04
